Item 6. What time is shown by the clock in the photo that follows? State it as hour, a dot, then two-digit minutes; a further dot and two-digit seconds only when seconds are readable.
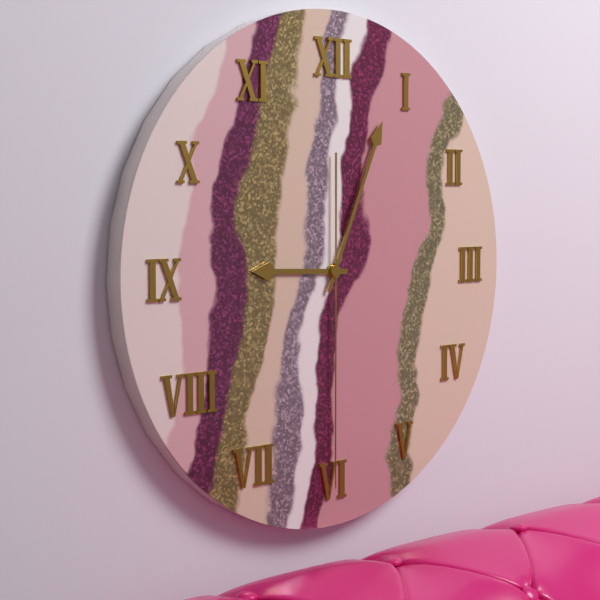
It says 9.04.30
